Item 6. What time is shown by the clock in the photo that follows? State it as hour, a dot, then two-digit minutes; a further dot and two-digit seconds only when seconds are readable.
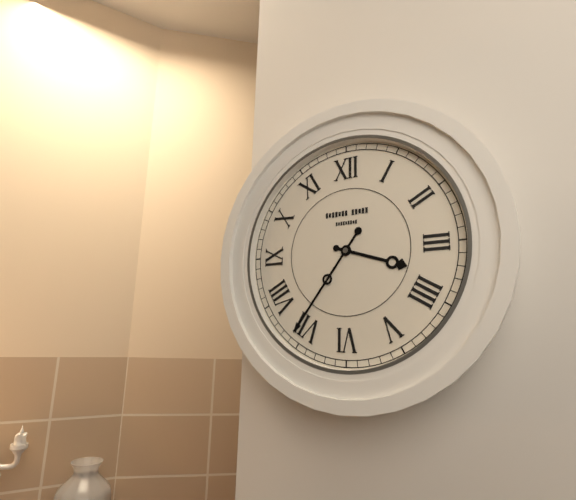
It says 3.36
